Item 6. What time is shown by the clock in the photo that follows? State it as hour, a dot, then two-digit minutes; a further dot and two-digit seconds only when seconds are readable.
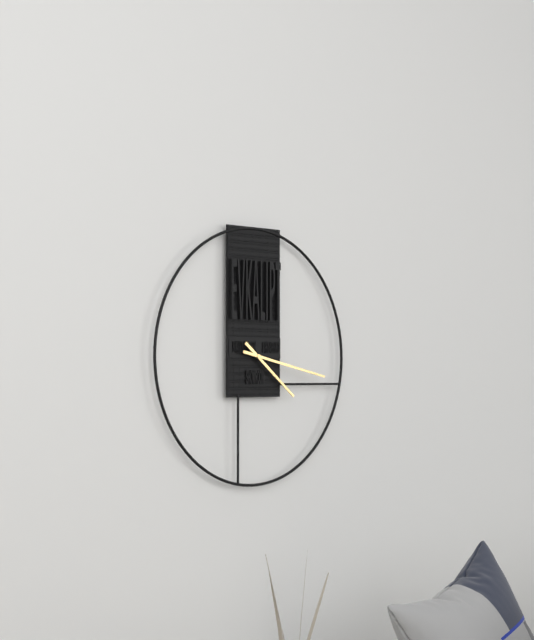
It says 4.17
